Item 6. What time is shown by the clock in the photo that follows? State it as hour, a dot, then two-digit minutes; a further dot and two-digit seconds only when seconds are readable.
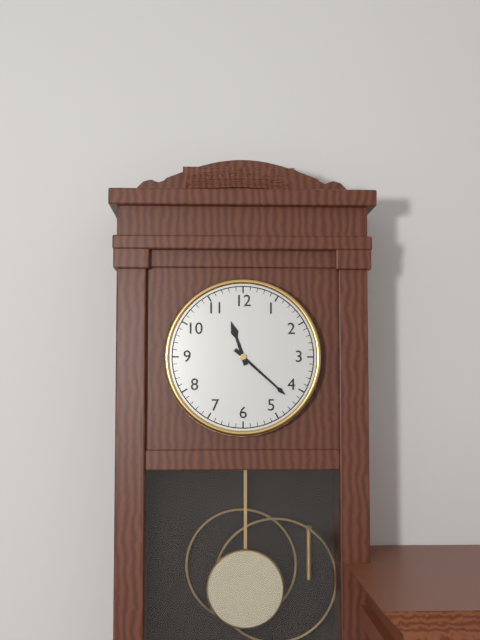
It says 11.22
